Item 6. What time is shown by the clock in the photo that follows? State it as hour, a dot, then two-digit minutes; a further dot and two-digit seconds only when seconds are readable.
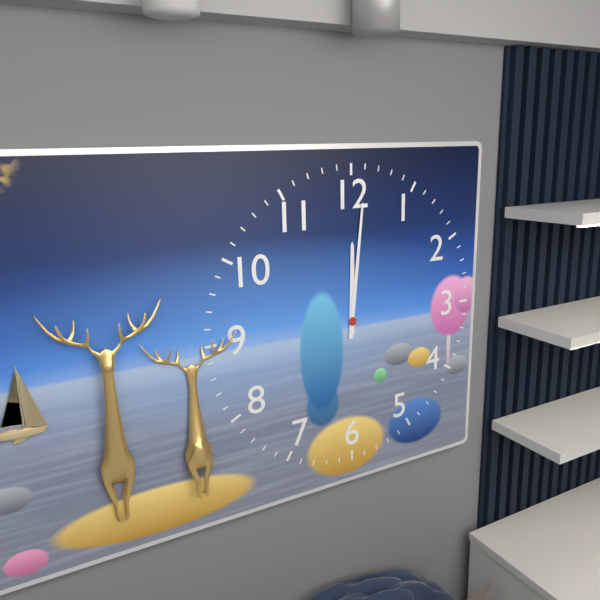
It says 12.01
